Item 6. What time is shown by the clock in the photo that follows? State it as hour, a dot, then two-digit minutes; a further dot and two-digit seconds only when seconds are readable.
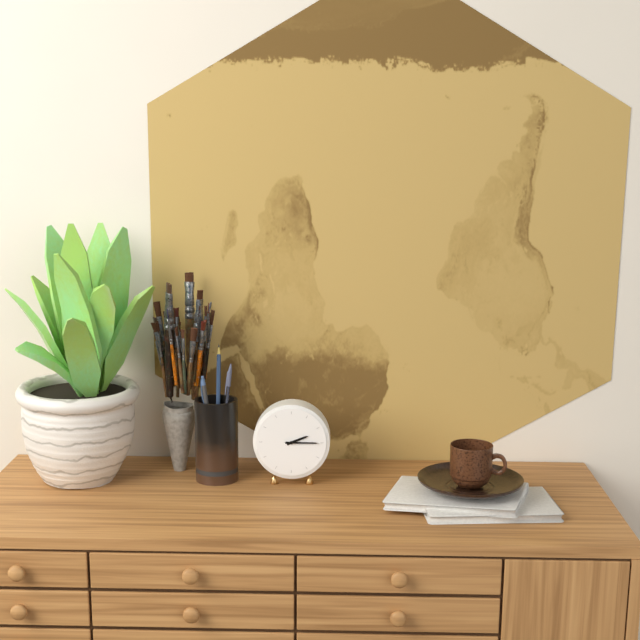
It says 2.15
